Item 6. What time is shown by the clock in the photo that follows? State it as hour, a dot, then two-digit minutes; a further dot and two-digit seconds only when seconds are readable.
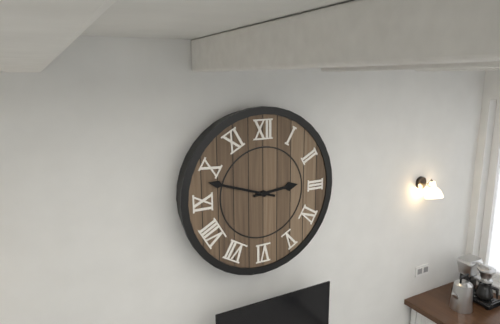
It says 2.48
